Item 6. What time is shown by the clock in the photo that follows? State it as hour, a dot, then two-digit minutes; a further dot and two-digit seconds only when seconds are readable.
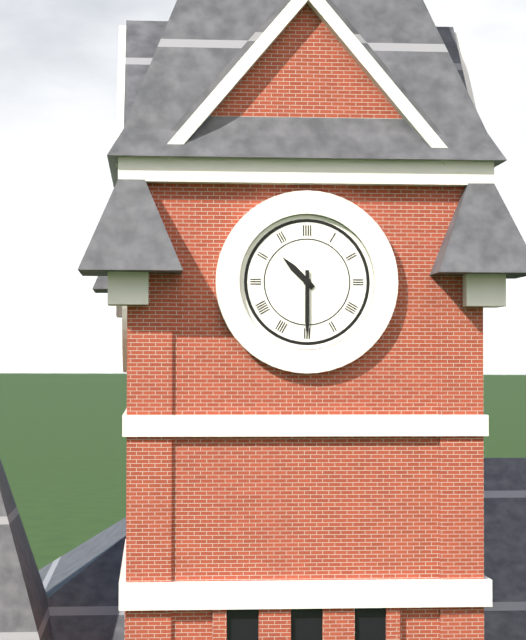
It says 10.30
